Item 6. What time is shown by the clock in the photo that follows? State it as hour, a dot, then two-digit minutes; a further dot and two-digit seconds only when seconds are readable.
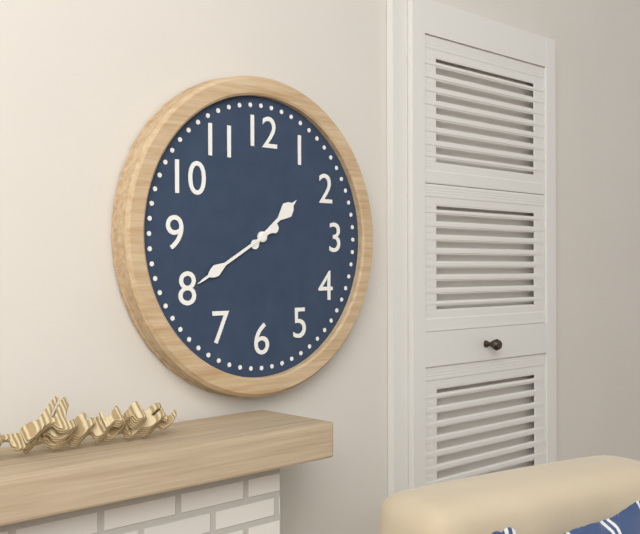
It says 1.40
